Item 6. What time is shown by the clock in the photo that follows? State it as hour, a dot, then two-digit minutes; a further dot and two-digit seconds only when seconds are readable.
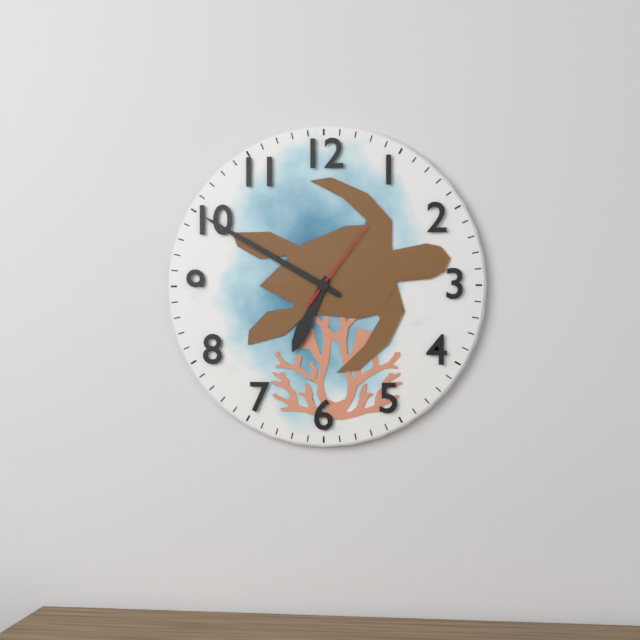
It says 6.50.06
